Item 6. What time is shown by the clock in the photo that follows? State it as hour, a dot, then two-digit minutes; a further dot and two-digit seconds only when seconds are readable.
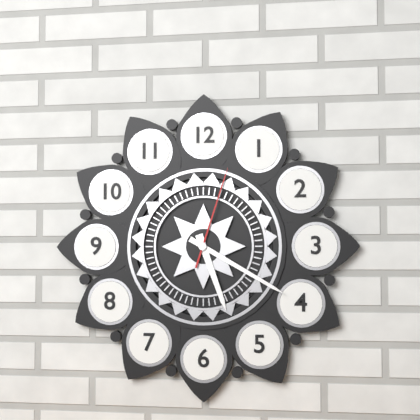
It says 5.20.03
